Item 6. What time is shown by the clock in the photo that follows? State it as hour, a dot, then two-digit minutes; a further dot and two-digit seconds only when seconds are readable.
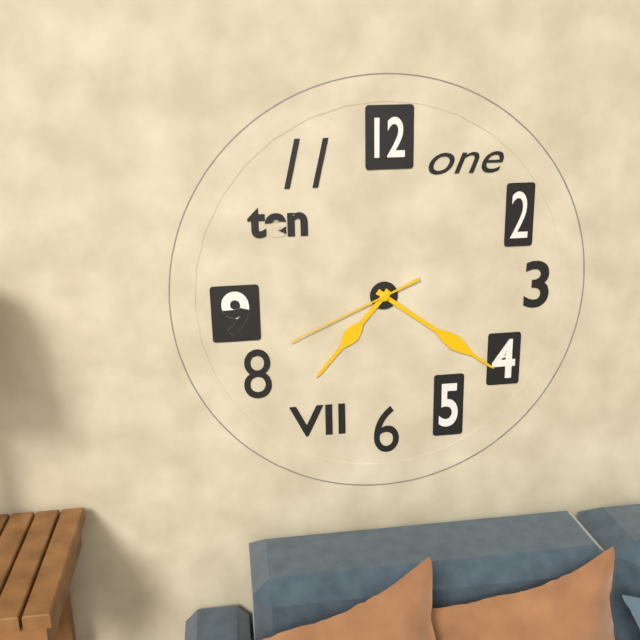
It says 7.21.41
